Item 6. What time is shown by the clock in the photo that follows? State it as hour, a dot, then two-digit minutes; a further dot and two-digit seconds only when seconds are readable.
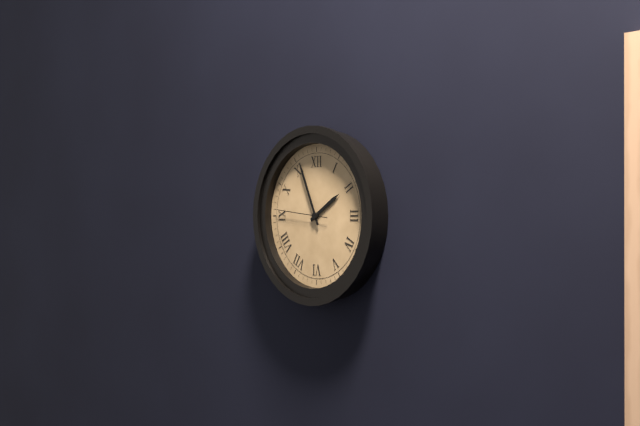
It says 1.56.46
